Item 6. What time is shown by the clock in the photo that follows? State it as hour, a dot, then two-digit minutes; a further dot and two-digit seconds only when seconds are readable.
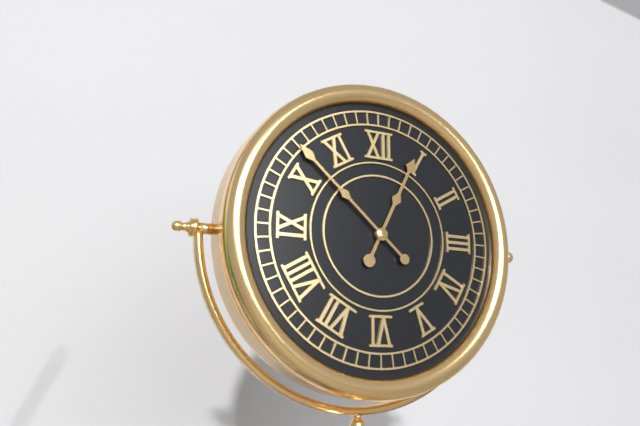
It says 12.52
